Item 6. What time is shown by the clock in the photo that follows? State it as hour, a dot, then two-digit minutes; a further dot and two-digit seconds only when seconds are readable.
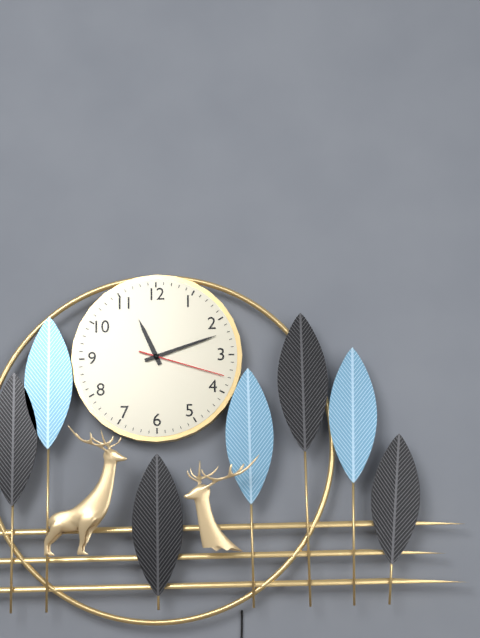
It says 11.12.18
